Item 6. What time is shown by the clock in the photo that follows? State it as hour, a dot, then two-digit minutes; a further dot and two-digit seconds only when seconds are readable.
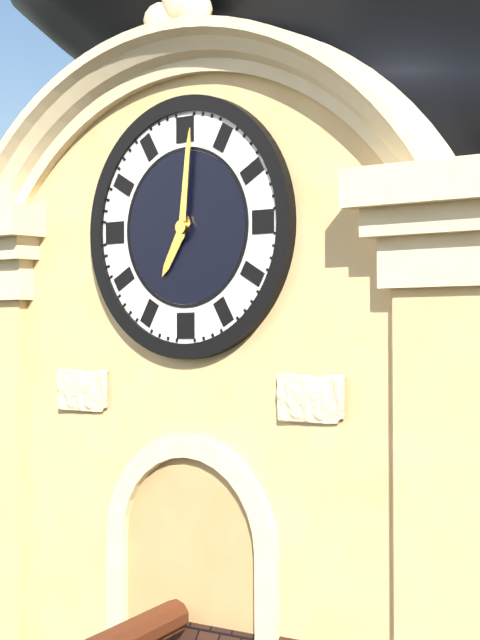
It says 7.01
